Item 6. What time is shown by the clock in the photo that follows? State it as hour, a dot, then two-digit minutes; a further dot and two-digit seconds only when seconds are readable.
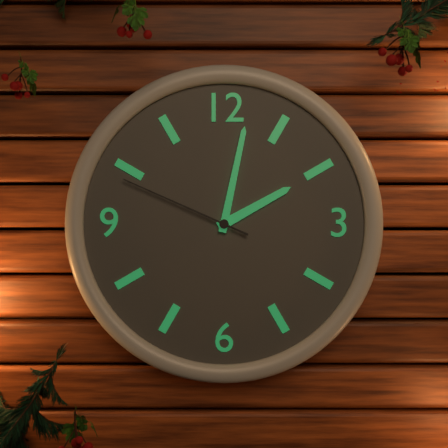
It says 2.02.49
